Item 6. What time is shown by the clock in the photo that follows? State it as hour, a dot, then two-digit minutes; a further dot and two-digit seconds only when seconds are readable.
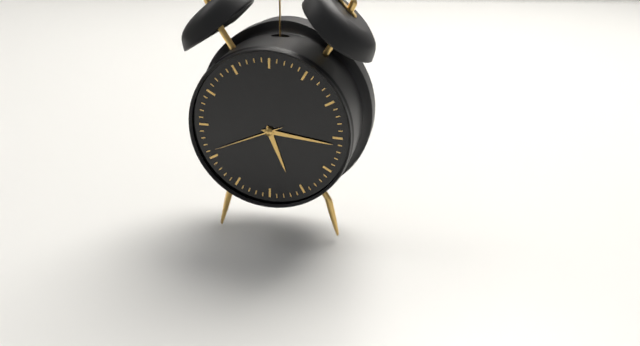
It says 5.16.41
